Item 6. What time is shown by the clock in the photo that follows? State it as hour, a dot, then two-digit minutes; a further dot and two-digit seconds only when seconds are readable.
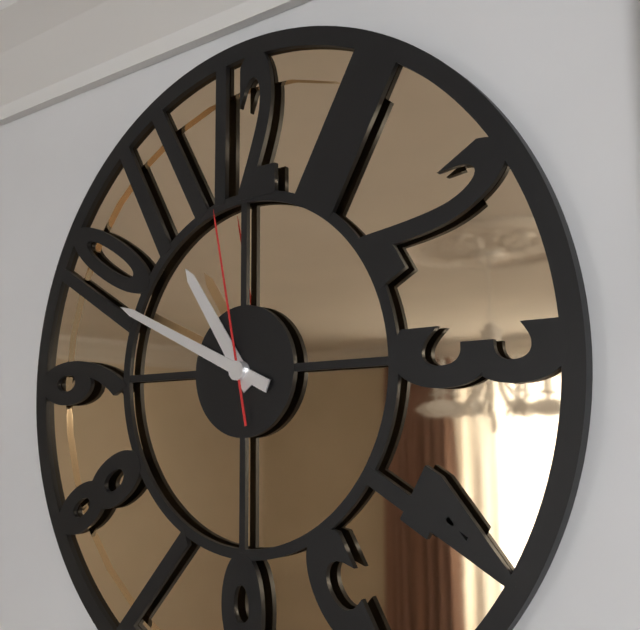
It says 10.49.58
